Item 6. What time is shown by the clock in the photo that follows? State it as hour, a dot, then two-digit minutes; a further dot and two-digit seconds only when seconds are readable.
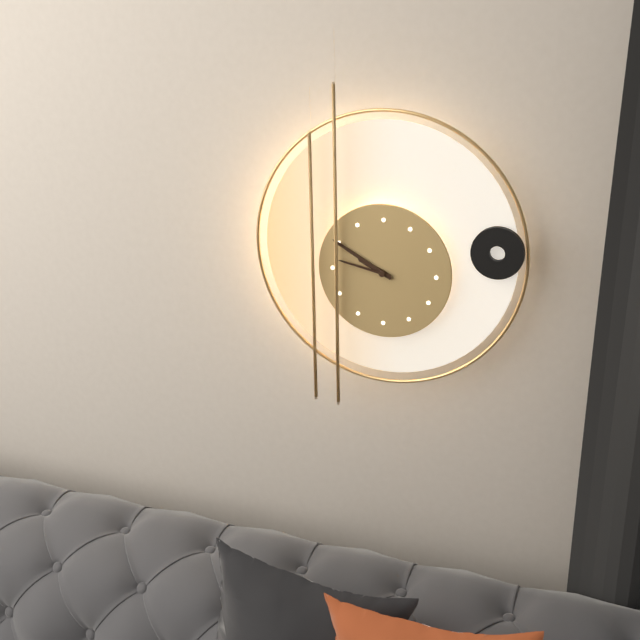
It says 9.50.47
